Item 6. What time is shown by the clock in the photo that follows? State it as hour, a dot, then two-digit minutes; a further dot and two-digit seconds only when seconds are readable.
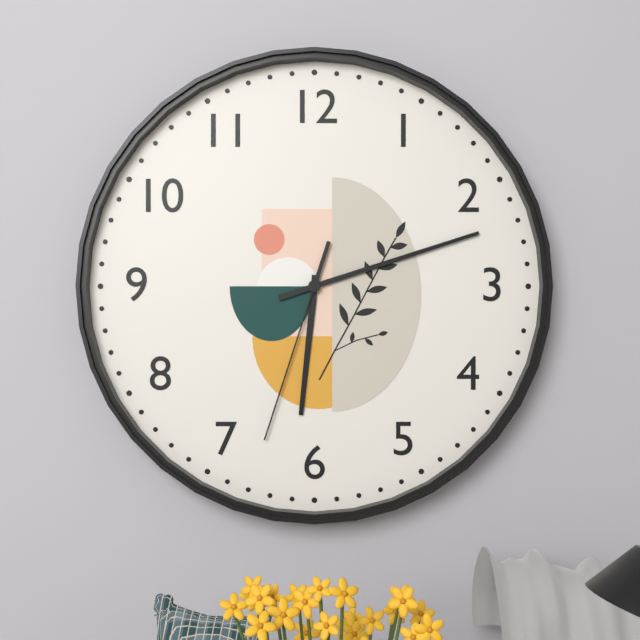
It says 6.12.33
